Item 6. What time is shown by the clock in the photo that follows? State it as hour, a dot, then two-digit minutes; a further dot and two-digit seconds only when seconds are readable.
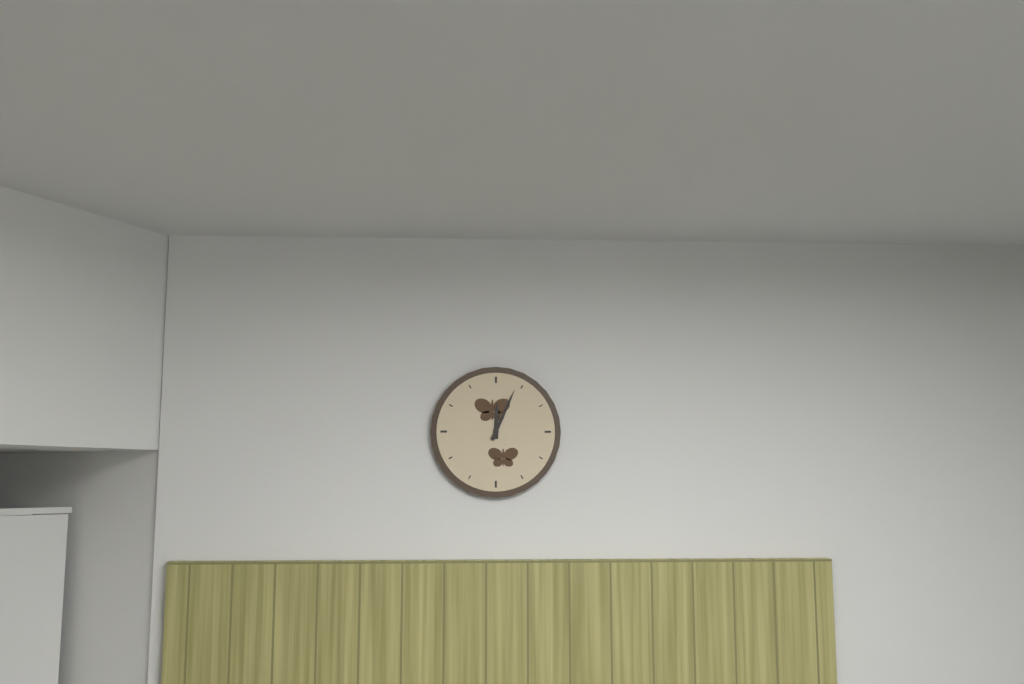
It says 12.04
